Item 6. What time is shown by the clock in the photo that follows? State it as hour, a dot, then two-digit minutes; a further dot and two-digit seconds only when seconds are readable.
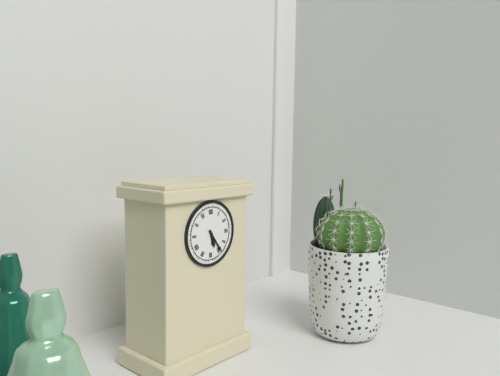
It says 5.24
